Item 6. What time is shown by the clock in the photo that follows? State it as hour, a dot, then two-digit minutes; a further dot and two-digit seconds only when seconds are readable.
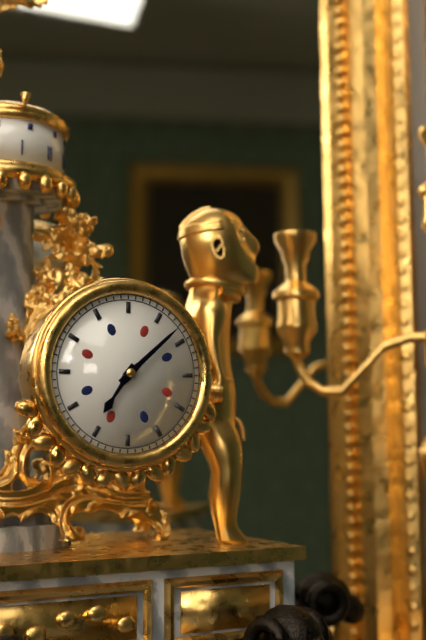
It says 7.08
